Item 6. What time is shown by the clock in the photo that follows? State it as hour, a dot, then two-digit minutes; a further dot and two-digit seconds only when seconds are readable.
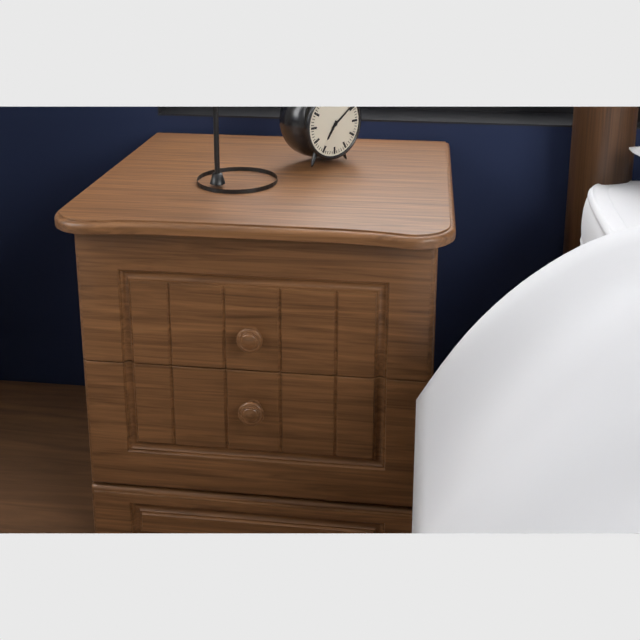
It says 7.09
